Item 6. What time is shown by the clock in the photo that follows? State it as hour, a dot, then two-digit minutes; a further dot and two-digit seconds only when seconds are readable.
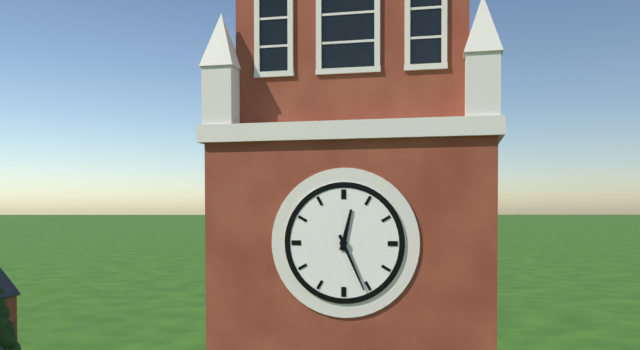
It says 12.26
